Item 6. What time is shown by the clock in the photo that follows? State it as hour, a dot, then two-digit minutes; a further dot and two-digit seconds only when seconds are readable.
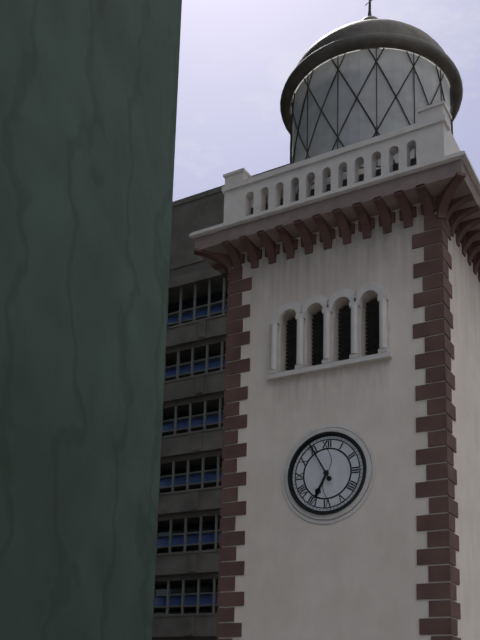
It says 6.55
